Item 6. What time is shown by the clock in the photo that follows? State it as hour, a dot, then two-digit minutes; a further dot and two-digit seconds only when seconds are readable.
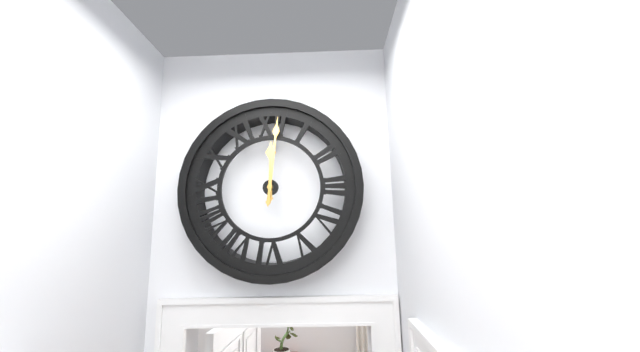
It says 12.01
